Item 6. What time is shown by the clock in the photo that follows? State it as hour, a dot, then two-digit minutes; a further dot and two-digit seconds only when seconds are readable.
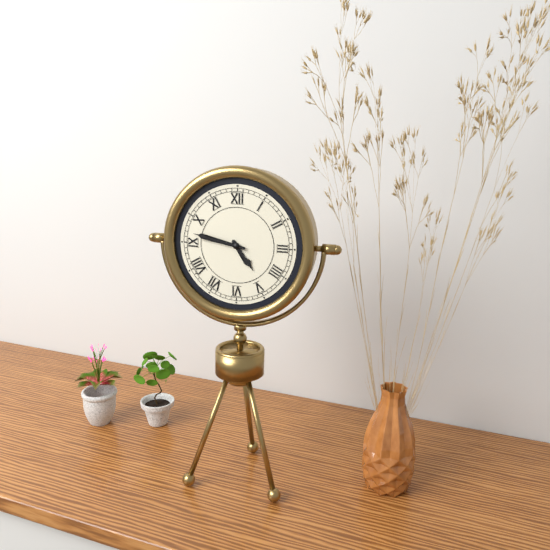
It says 4.47
